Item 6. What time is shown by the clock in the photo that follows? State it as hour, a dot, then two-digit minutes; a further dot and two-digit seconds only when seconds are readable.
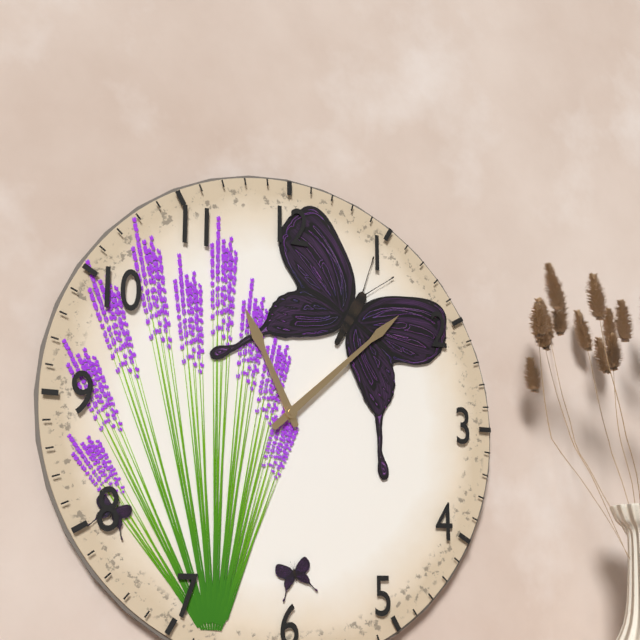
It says 11.08
